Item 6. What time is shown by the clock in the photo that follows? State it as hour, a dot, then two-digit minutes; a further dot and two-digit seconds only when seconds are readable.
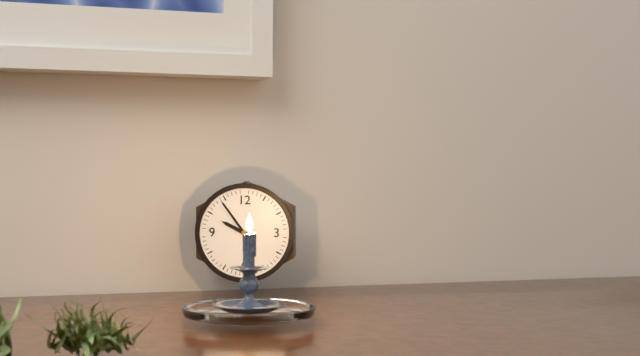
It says 9.54
